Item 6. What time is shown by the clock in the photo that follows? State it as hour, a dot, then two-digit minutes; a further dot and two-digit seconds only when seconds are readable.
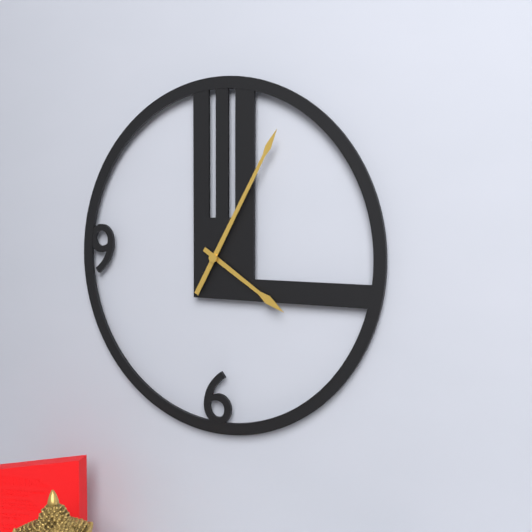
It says 4.05
